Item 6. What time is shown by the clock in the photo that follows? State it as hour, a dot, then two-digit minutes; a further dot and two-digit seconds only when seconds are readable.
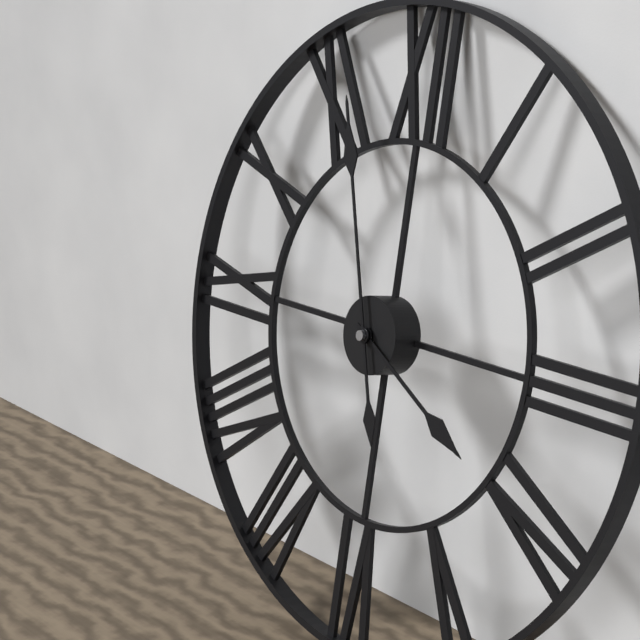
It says 3.57
